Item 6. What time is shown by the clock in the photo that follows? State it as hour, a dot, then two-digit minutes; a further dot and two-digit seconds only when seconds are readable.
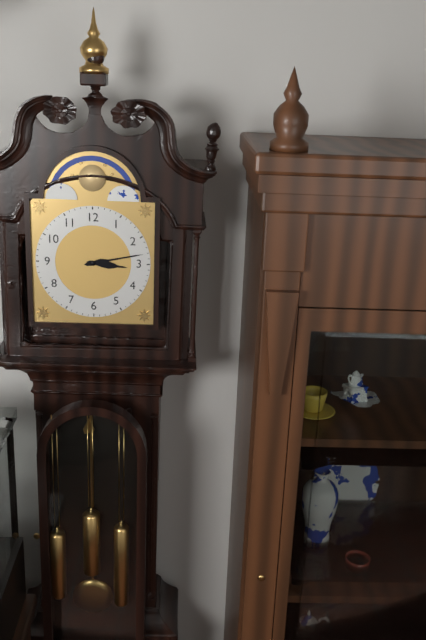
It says 3.13
